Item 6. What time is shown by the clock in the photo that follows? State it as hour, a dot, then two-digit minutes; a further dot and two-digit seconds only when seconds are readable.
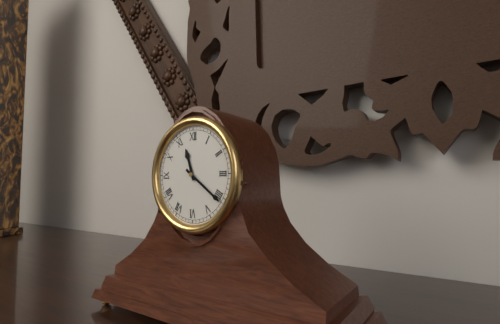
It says 11.21
